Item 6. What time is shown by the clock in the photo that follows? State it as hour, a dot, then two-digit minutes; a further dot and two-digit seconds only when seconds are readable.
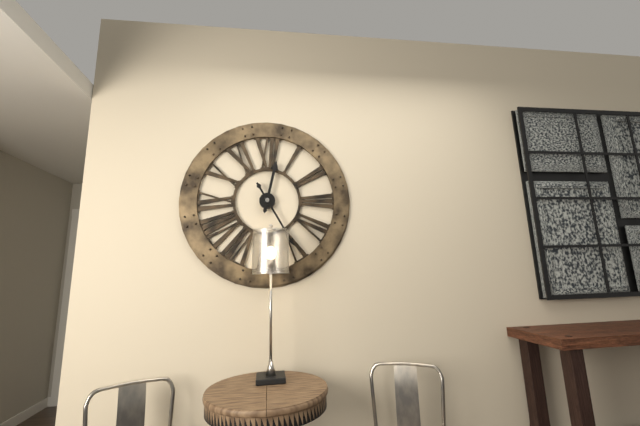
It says 12.25
